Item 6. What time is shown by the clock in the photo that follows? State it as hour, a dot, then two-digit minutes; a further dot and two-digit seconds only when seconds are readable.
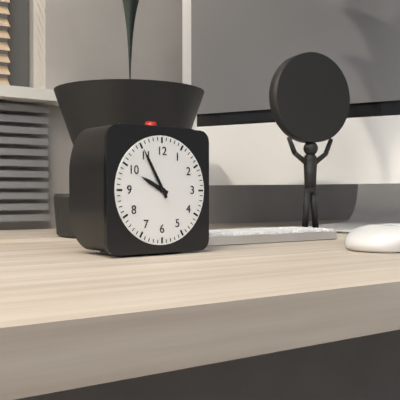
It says 9.55
